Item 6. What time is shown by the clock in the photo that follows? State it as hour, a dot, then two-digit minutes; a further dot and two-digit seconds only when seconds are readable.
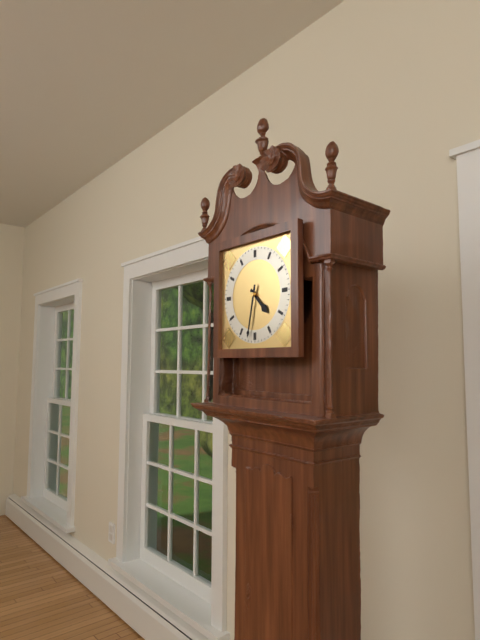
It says 4.32
